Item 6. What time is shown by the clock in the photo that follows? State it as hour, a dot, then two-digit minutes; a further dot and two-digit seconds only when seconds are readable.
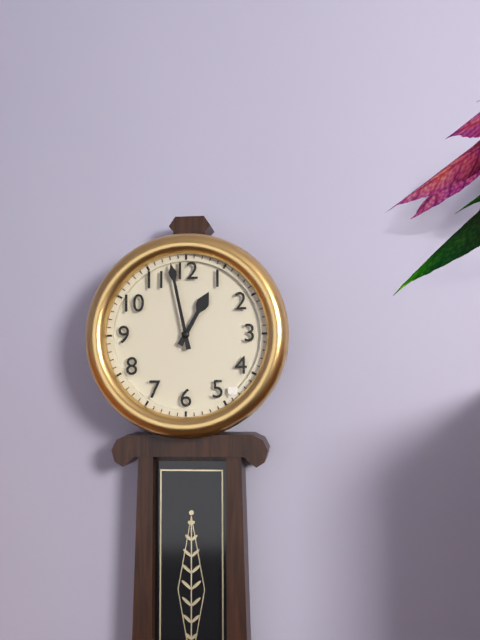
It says 12.58
